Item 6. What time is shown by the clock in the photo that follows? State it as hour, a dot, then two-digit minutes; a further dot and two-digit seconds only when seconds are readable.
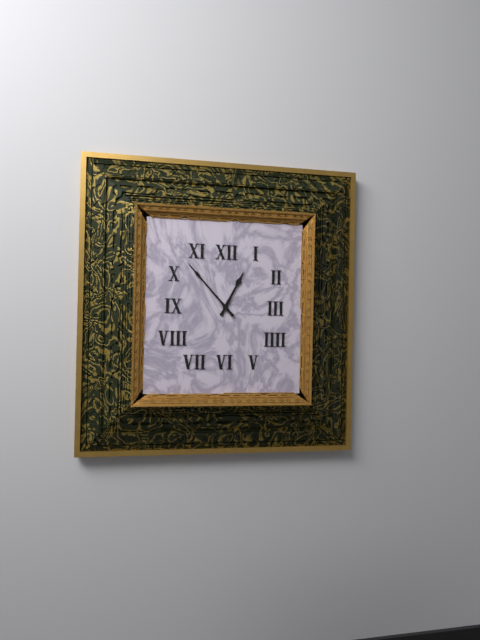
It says 12.53
